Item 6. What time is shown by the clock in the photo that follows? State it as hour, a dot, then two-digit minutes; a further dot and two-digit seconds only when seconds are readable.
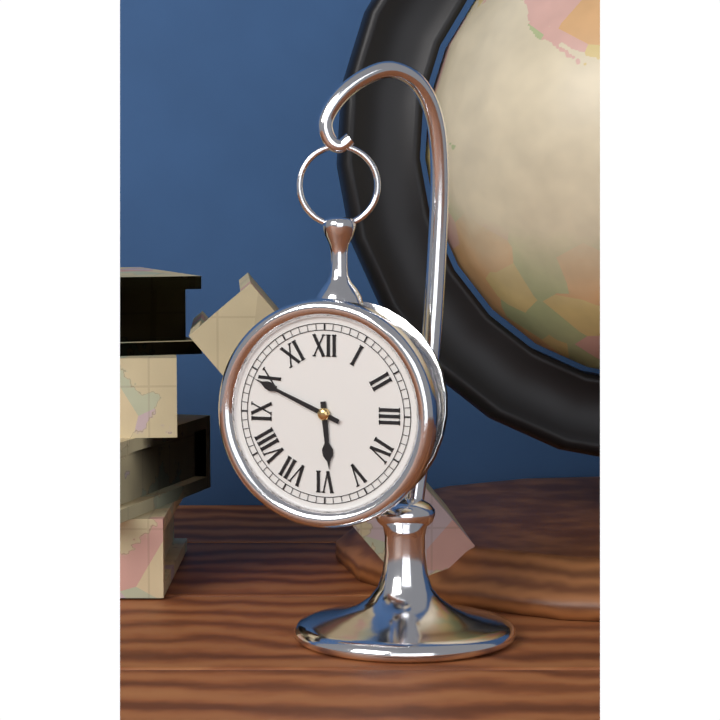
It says 5.49
